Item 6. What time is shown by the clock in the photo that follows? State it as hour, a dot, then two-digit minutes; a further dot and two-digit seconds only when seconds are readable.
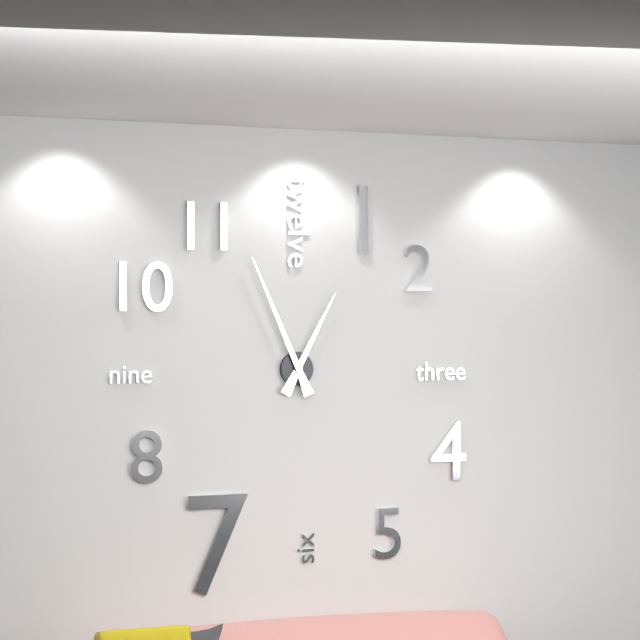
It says 12.56
